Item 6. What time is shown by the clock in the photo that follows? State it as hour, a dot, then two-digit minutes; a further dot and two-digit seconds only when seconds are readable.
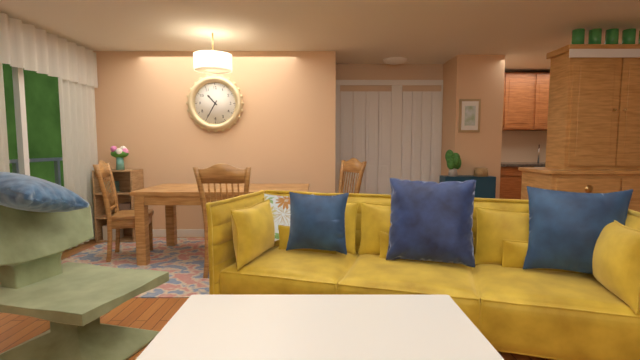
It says 10.35
